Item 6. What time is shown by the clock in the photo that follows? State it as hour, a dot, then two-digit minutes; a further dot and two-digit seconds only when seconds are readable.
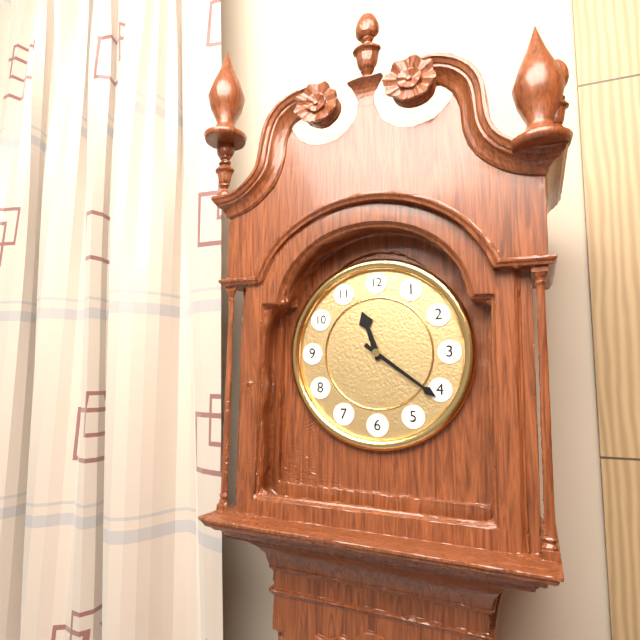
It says 11.21
